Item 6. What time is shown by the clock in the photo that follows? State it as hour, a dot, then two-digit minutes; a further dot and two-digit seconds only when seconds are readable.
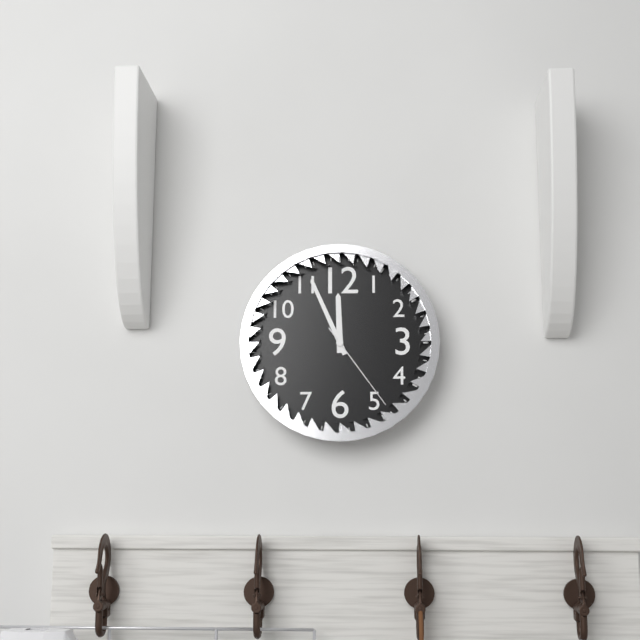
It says 11.56.24
